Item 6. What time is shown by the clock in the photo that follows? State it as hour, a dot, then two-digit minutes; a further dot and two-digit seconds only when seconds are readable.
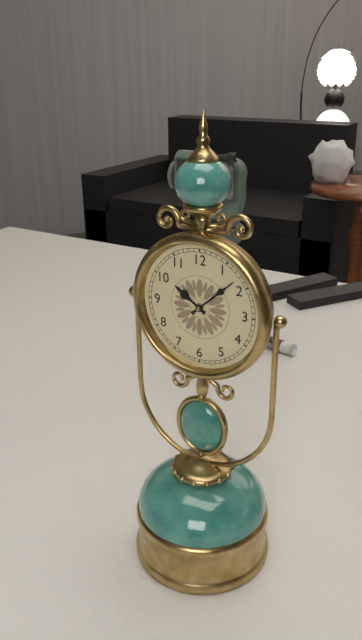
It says 10.08
